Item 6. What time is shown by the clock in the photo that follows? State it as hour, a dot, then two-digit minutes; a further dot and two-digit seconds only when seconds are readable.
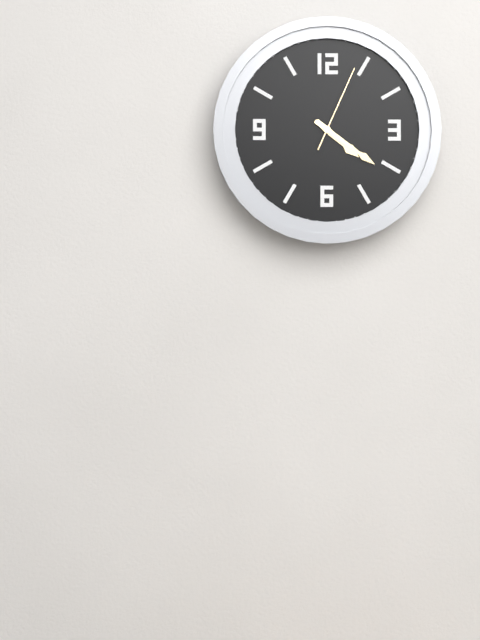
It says 4.21.04
